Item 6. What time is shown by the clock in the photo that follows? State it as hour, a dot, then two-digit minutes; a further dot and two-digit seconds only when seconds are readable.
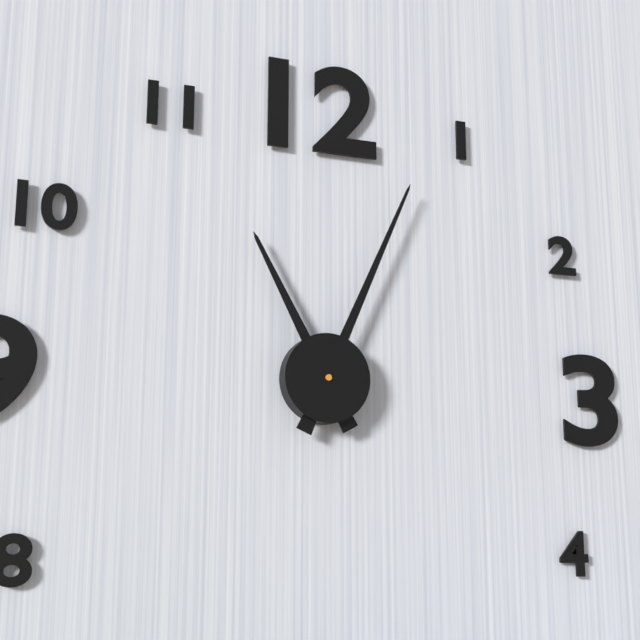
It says 11.04
